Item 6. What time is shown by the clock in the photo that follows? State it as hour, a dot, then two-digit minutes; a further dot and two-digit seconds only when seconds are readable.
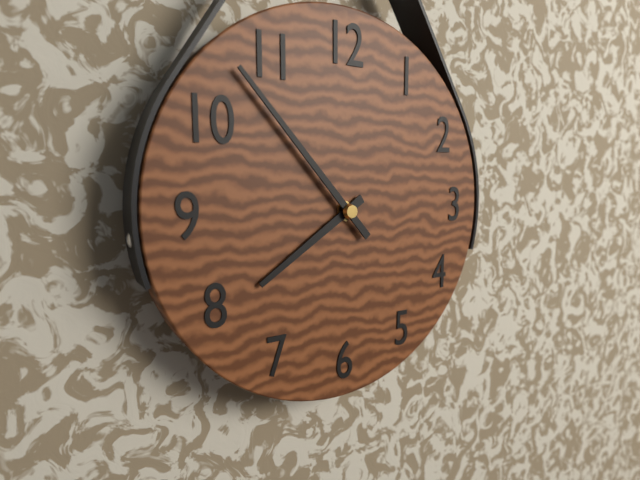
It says 7.53
